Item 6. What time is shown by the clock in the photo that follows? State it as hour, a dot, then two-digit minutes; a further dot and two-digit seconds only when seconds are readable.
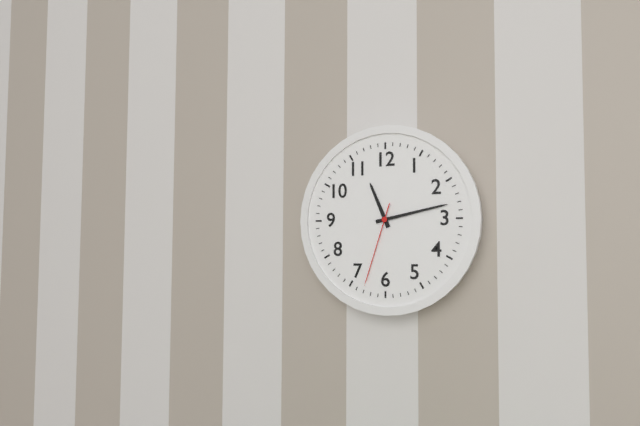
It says 11.13.33
